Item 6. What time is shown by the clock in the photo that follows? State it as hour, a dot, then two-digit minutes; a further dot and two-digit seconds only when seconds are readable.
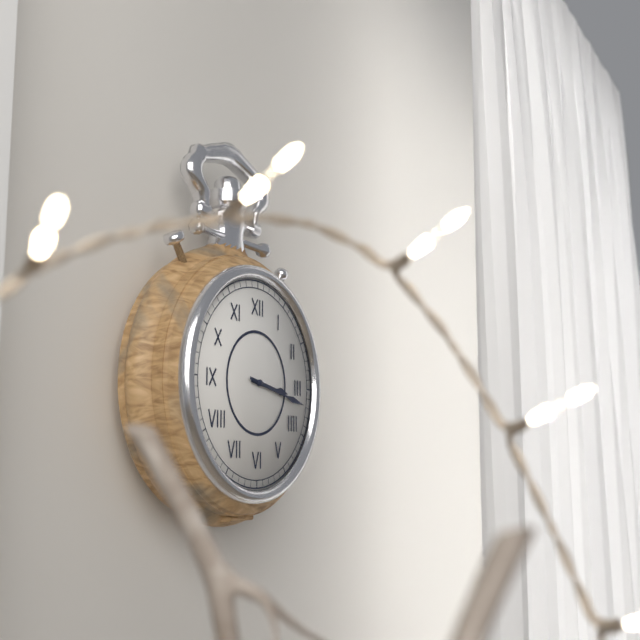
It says 3.17
